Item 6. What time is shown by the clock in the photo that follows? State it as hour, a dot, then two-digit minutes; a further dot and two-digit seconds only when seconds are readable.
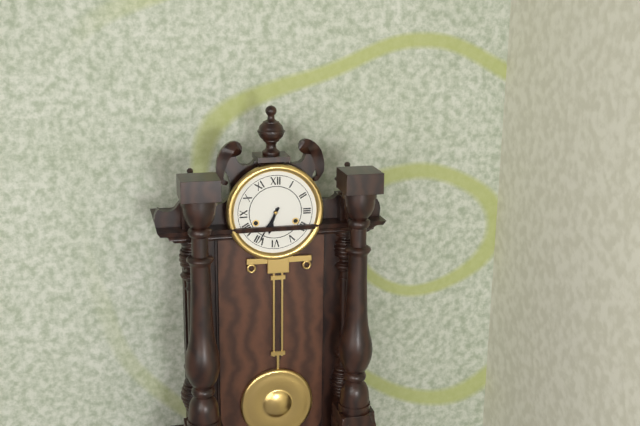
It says 6.35
